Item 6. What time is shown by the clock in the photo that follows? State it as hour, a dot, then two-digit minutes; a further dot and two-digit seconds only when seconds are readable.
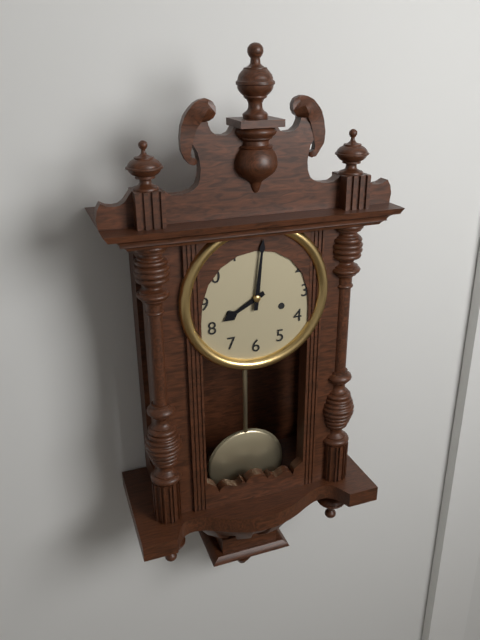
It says 8.01
